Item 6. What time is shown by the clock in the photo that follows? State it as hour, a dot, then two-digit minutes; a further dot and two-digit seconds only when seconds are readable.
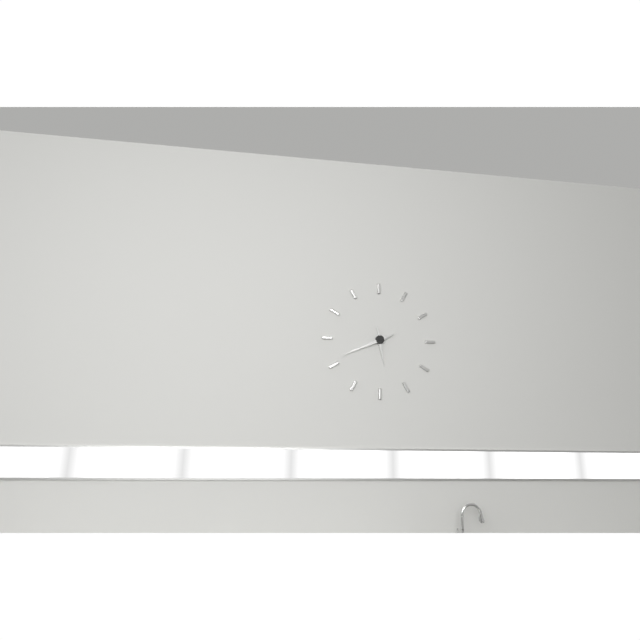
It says 5.41
